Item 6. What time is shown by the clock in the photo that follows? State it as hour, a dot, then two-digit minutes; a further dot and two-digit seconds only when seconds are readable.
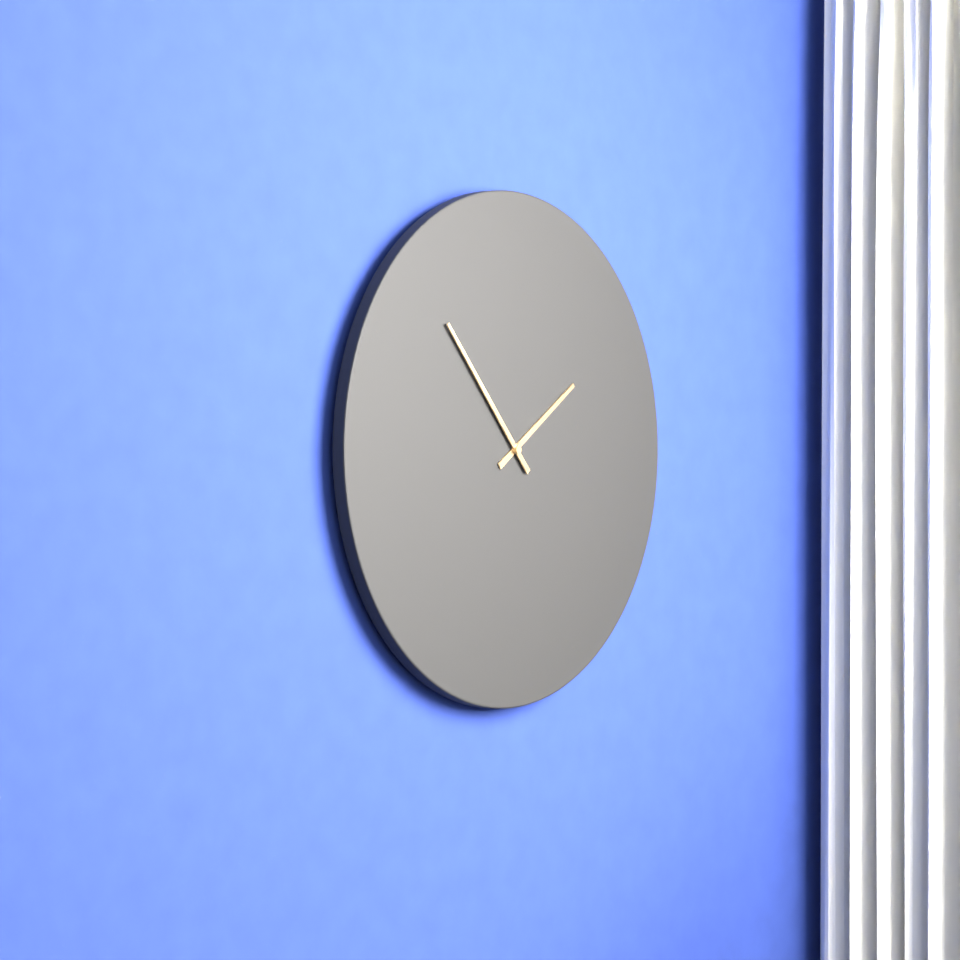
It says 1.53
